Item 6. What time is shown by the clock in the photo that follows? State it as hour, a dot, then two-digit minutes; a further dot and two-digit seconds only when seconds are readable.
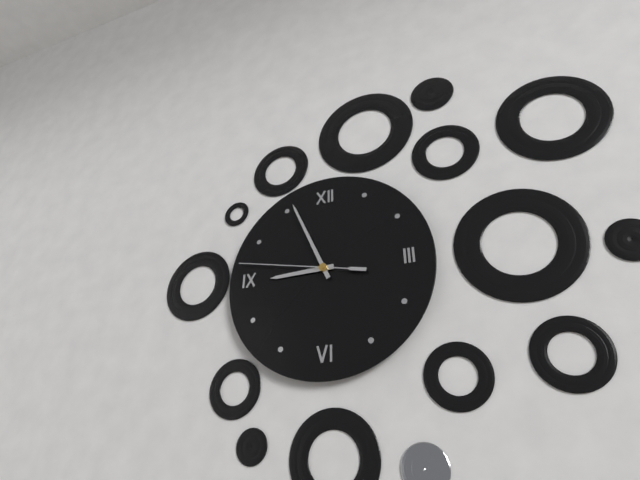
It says 8.56.47
